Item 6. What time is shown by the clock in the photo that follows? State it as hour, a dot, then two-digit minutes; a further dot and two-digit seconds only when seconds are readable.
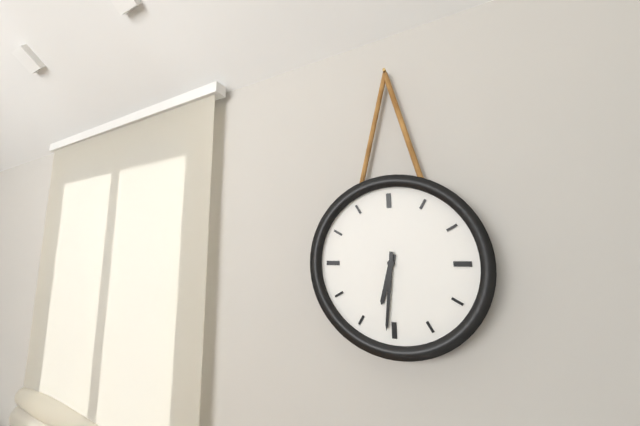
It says 6.31
